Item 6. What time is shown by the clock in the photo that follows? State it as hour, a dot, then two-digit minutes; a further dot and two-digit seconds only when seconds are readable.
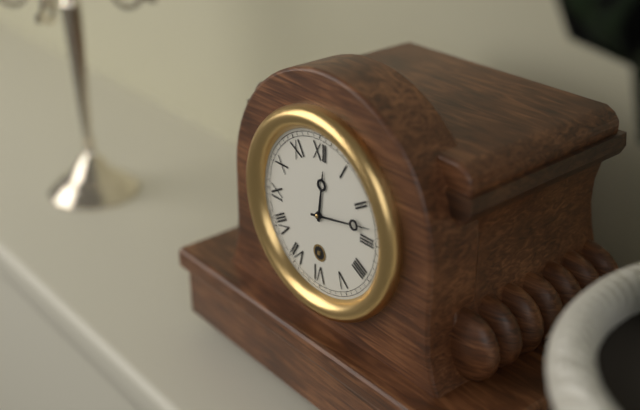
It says 12.13
